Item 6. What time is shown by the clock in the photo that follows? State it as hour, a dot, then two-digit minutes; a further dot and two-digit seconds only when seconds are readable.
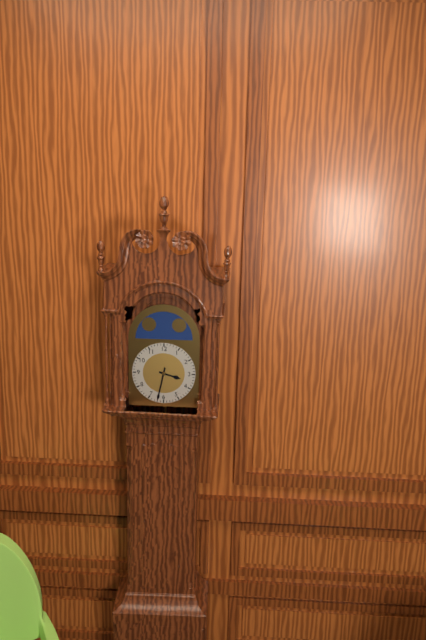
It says 3.32
